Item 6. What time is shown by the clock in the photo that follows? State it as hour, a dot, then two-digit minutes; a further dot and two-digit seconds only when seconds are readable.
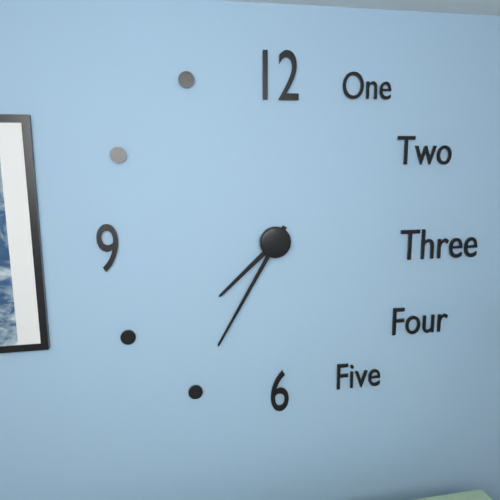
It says 7.35
